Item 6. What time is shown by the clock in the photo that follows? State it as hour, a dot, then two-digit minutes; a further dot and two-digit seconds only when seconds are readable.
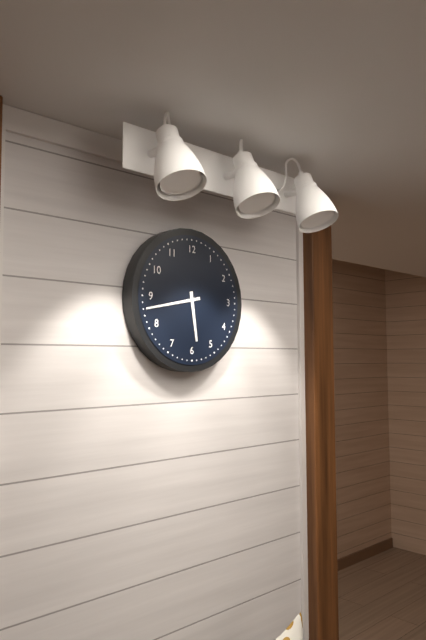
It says 5.43
